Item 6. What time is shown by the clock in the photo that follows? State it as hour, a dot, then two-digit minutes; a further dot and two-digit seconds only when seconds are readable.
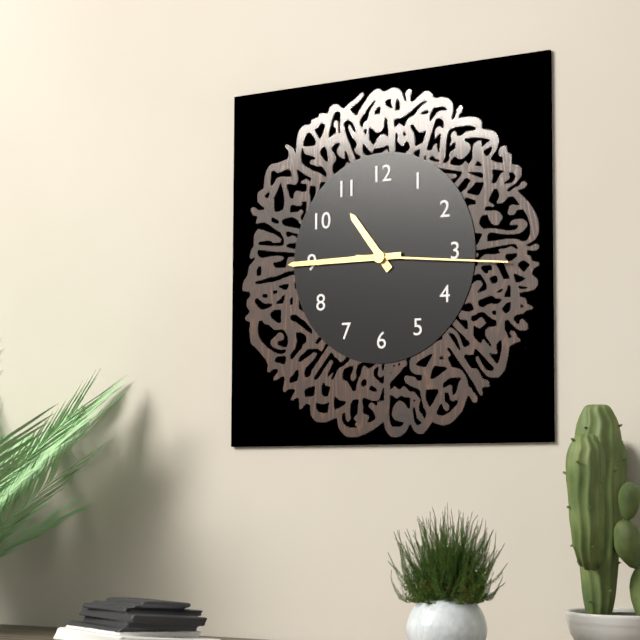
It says 10.45.16
